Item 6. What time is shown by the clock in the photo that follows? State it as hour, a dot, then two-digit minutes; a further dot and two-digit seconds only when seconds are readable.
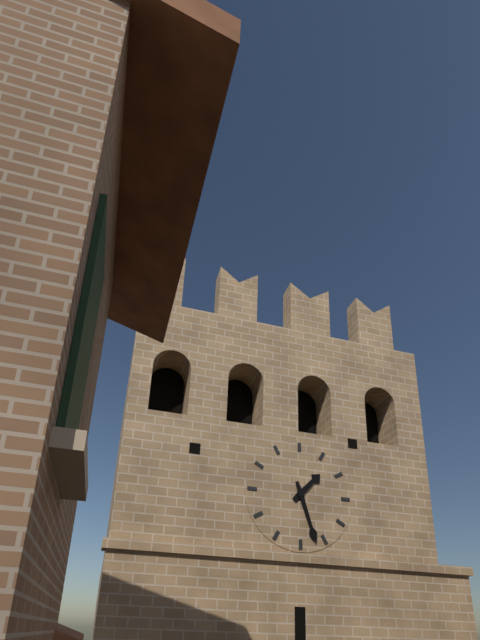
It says 1.27
